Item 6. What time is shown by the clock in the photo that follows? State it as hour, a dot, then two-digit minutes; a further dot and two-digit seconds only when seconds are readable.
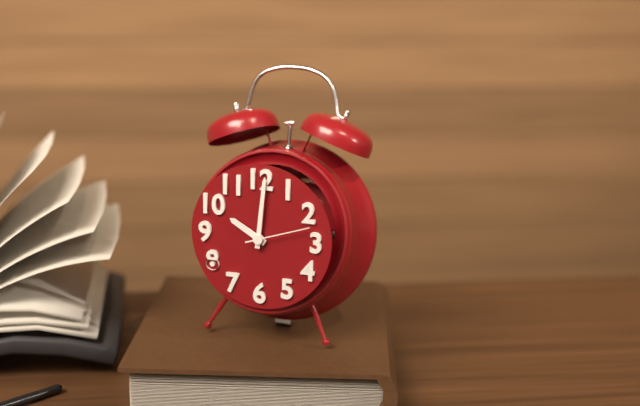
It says 10.01.12
